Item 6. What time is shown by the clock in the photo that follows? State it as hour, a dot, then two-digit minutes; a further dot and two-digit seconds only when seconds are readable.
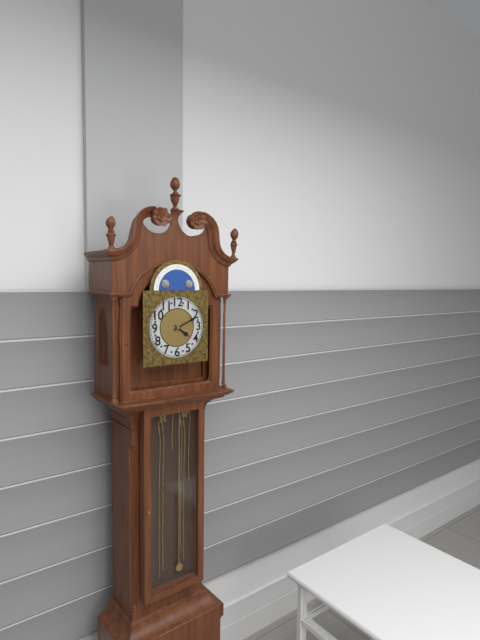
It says 4.11
